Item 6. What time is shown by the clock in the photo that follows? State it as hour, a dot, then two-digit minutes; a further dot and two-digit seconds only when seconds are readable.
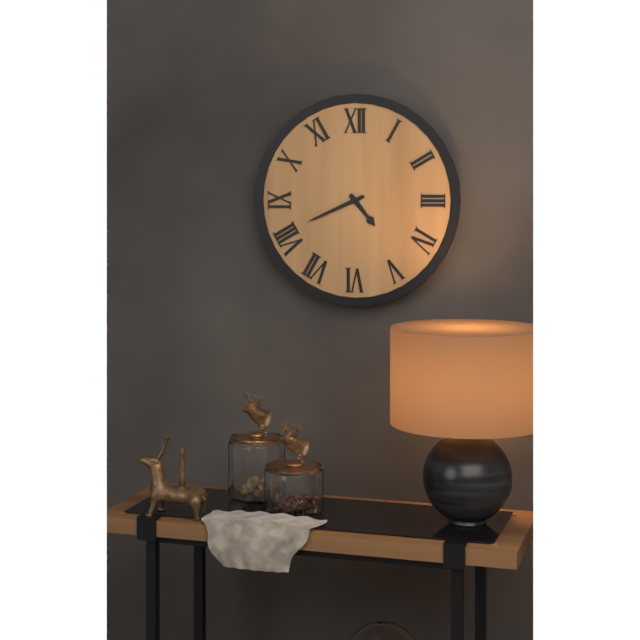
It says 4.41
